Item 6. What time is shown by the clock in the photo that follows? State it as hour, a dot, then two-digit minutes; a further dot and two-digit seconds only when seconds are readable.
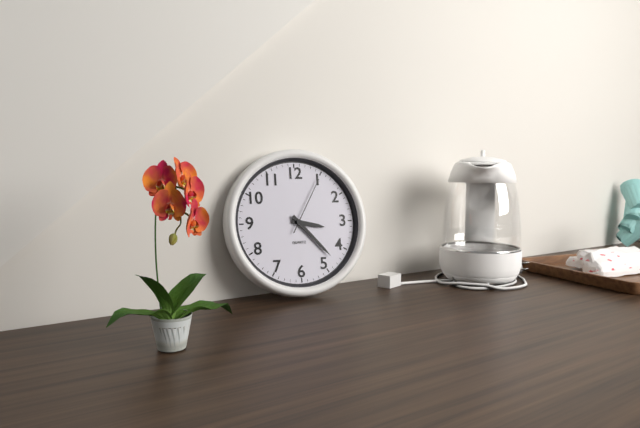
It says 3.23.05
